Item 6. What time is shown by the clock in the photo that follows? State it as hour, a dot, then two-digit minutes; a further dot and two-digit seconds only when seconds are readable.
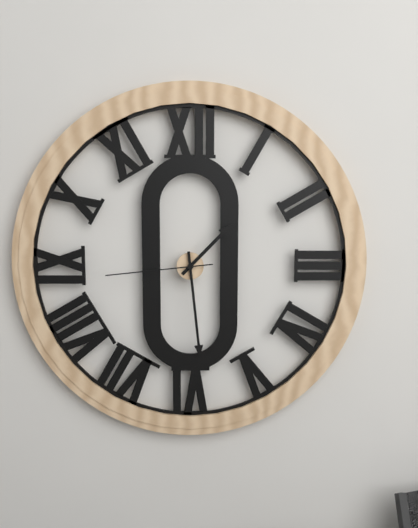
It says 1.29.44
